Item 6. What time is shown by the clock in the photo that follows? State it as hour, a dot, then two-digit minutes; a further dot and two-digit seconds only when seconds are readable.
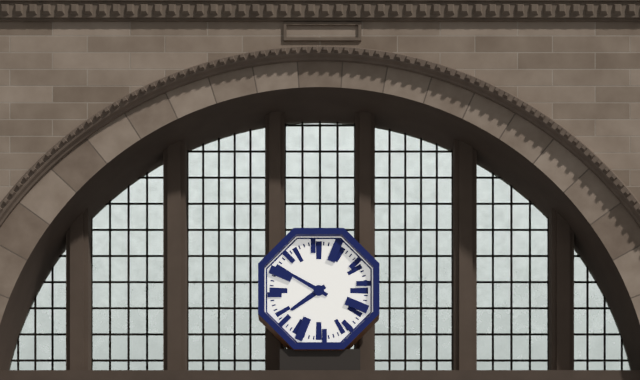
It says 7.50
